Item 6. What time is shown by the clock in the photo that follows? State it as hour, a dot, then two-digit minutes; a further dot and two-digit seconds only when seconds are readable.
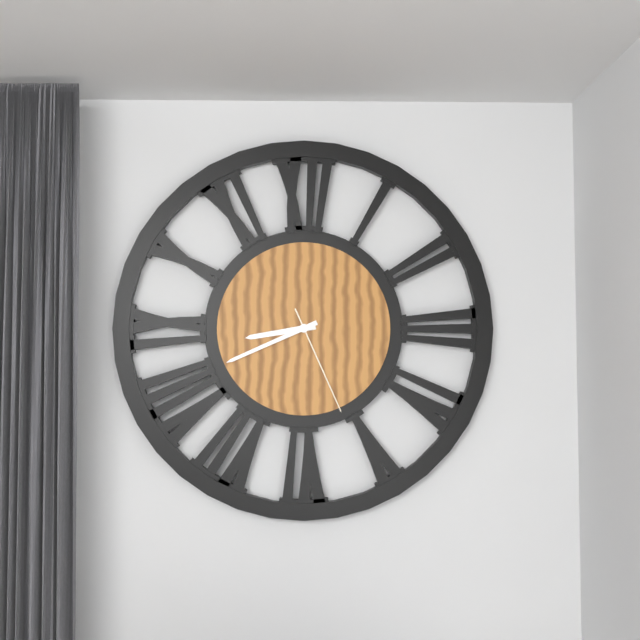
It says 8.41.26
